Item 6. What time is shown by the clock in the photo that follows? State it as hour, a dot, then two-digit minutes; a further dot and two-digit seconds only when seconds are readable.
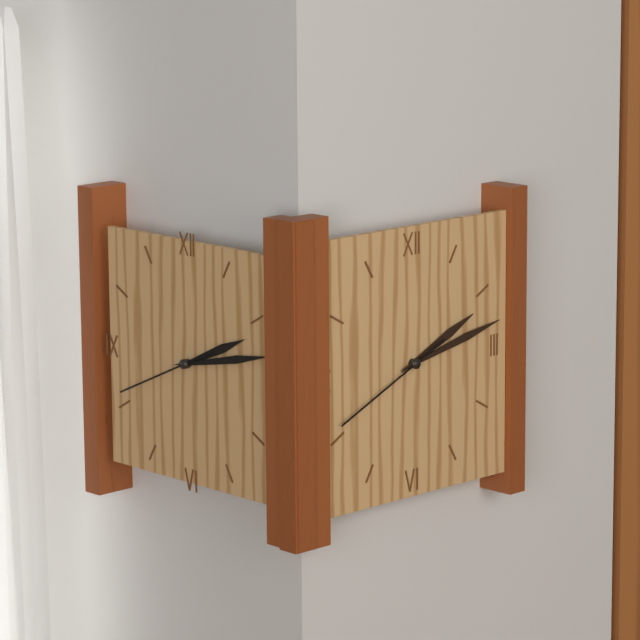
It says 2.13.41
